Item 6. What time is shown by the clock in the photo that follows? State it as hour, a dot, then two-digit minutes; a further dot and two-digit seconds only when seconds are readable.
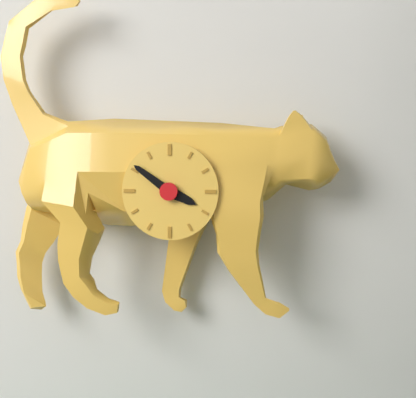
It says 3.51
